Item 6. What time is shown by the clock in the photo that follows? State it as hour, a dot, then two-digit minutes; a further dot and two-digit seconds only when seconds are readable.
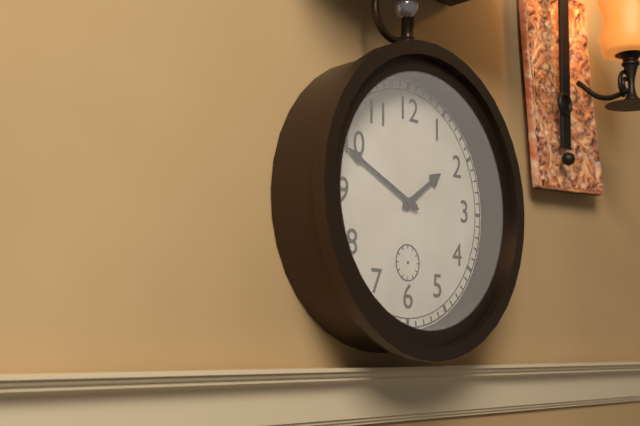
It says 1.49
